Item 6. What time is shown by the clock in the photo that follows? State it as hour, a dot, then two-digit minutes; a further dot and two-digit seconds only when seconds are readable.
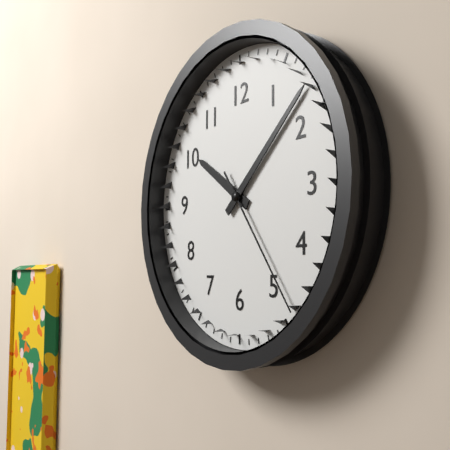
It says 10.08.24
